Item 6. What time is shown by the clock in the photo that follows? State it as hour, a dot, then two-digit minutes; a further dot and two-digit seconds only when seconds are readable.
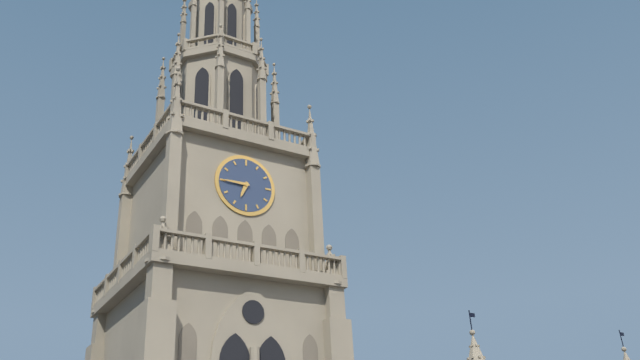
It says 6.45
